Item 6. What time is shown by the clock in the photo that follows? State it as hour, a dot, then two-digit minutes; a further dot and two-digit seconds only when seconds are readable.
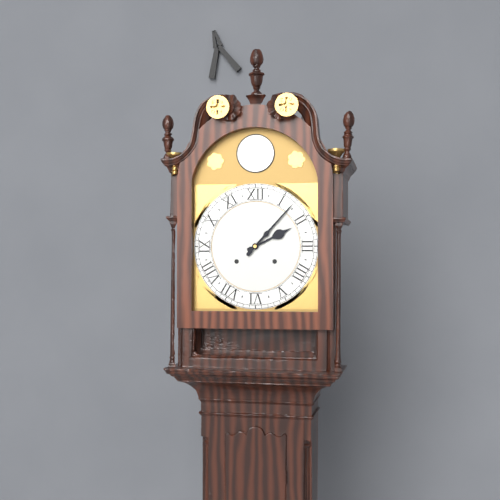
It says 2.07
